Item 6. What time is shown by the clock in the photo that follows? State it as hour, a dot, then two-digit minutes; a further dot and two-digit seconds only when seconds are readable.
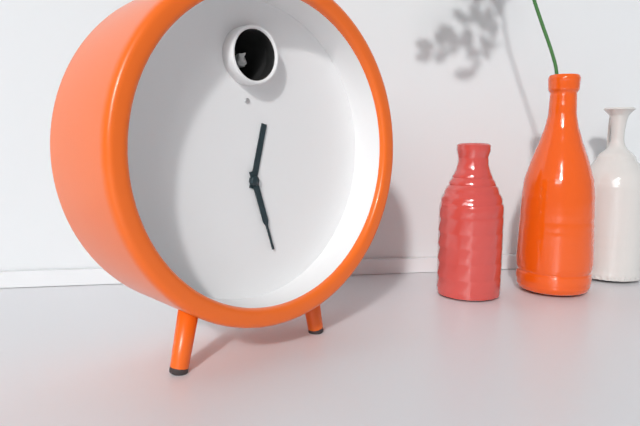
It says 12.27
